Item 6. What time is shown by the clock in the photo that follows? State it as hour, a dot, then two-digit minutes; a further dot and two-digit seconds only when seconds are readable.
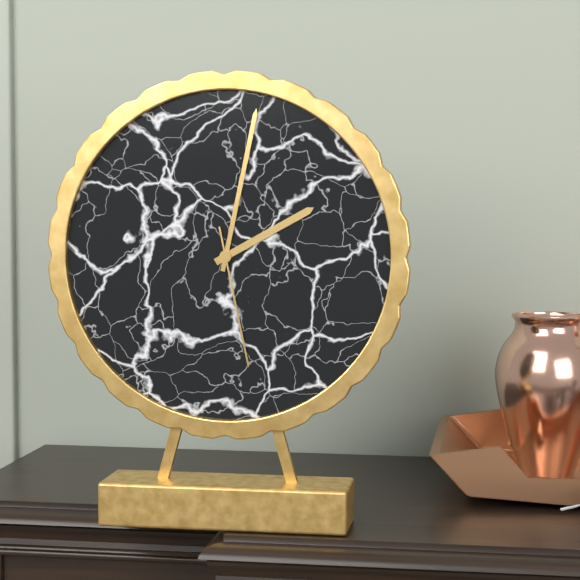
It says 2.02.28
